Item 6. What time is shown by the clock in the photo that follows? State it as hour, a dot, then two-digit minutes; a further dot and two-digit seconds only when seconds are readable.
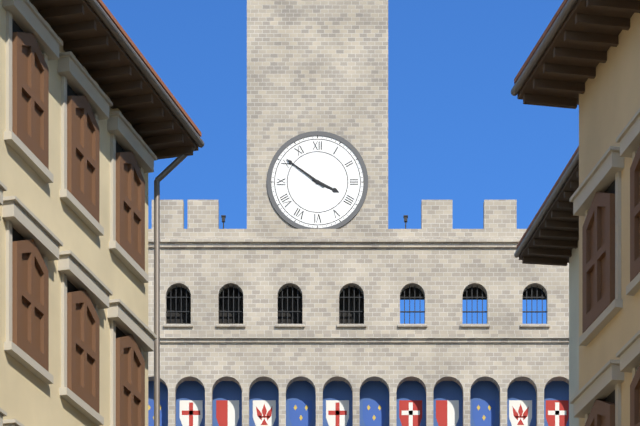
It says 3.51
